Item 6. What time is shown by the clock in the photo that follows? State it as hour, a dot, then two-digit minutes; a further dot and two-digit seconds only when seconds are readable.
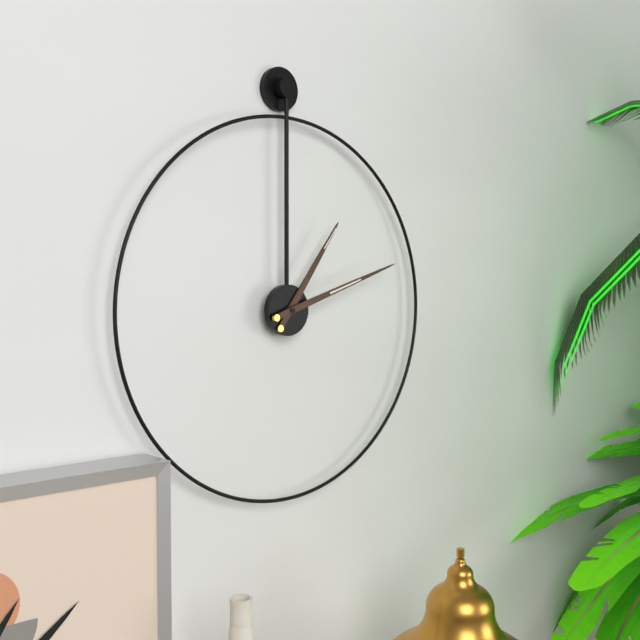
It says 1.12
